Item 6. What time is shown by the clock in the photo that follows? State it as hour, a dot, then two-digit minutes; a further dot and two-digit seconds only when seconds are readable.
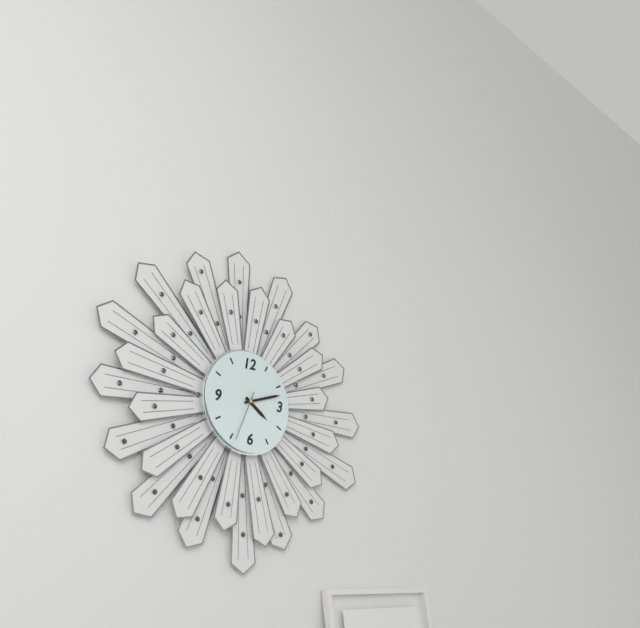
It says 4.12.34
